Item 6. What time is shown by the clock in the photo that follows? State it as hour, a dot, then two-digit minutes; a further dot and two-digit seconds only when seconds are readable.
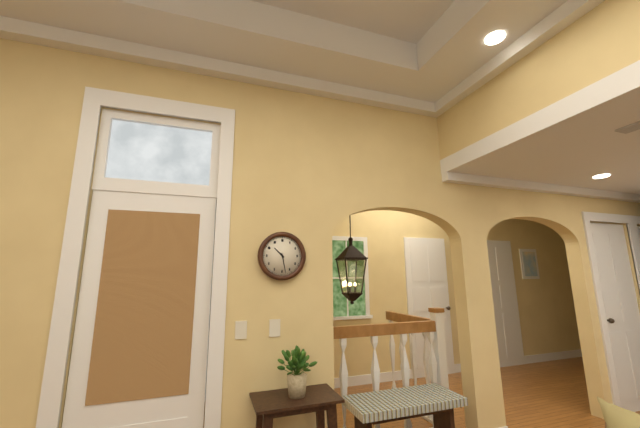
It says 10.28
